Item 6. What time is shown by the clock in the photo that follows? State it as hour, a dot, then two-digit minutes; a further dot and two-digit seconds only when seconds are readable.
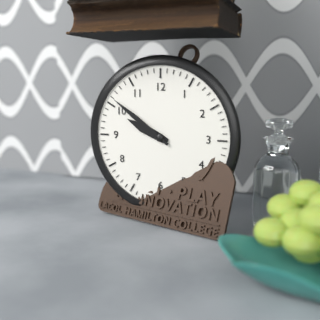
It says 9.51
